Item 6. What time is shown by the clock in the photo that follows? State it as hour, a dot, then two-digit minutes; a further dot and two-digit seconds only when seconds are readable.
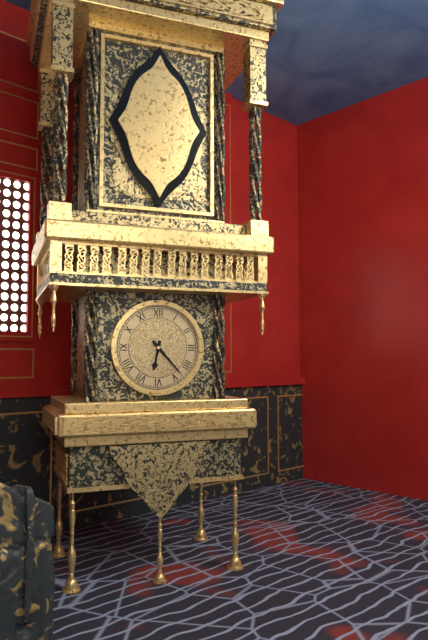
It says 6.23
